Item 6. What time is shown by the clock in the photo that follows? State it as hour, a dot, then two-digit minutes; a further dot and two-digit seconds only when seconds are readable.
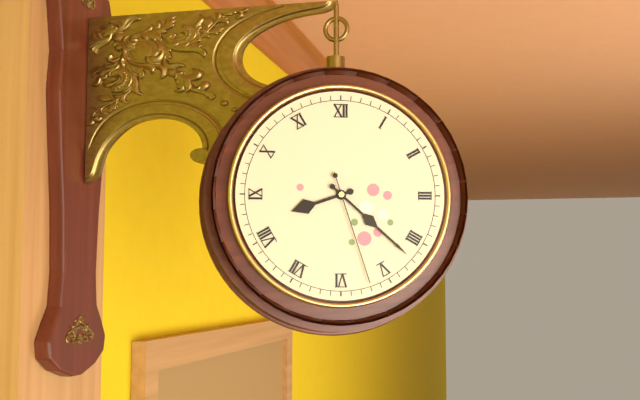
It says 8.22.27
